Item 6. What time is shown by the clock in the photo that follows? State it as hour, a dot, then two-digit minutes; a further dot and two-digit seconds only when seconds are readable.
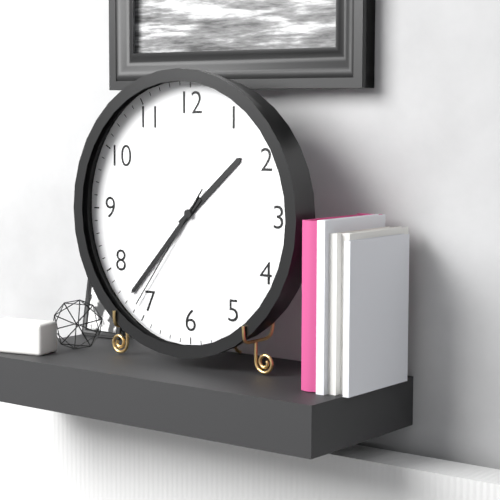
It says 1.37.36
